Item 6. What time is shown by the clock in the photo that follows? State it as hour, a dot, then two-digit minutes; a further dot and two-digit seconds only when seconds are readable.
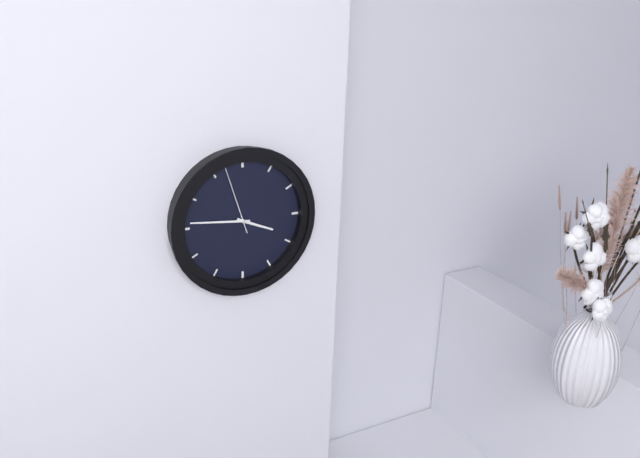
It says 3.46.57
